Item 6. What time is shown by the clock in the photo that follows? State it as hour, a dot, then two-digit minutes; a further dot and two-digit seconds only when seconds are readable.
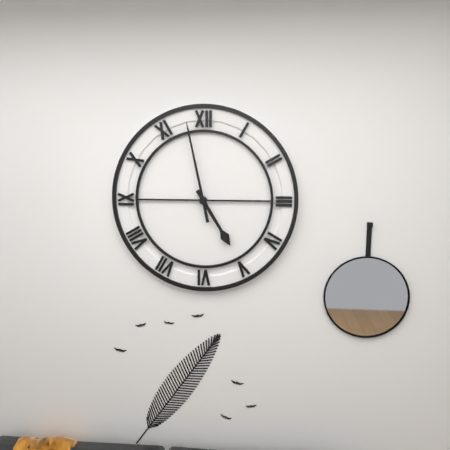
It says 4.58
